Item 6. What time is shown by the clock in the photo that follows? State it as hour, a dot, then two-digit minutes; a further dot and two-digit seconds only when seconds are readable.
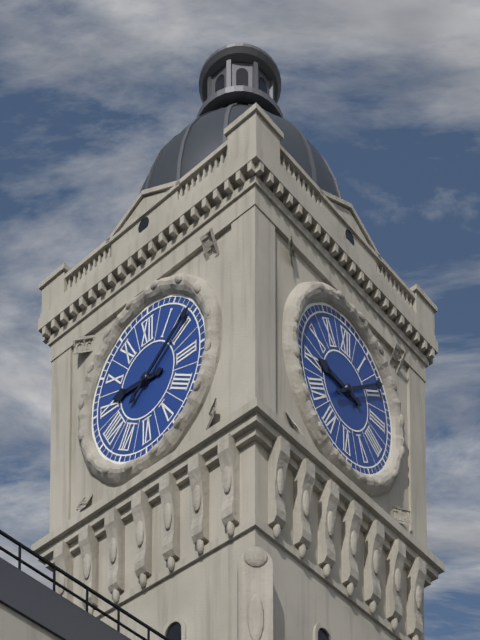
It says 9.09
